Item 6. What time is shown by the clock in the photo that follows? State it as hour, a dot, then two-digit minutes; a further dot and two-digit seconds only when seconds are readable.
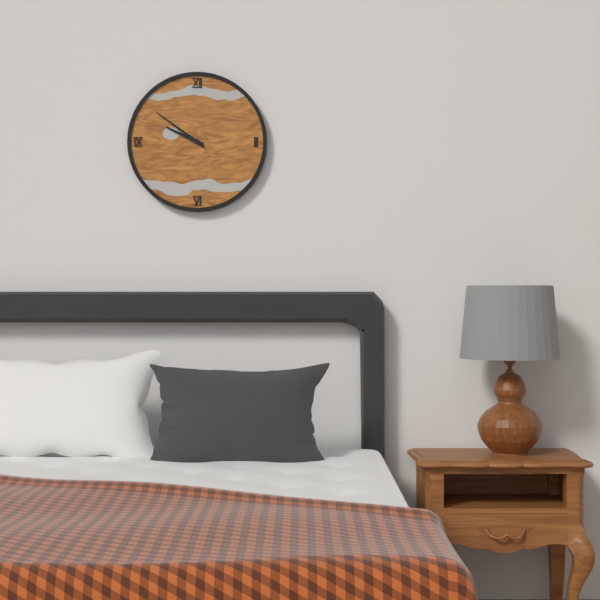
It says 9.51
